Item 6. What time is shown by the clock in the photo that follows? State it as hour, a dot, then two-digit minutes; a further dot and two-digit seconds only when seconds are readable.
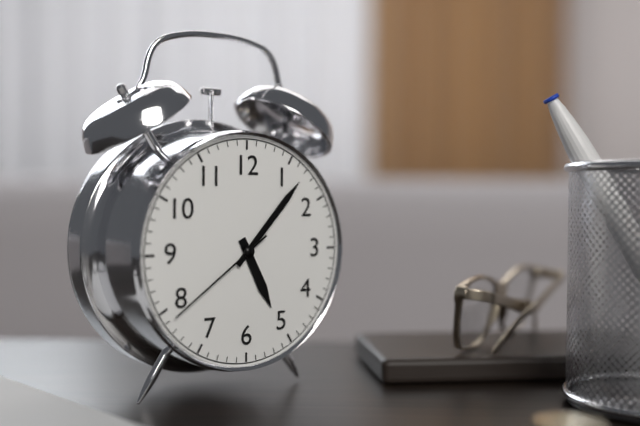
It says 5.07.39
